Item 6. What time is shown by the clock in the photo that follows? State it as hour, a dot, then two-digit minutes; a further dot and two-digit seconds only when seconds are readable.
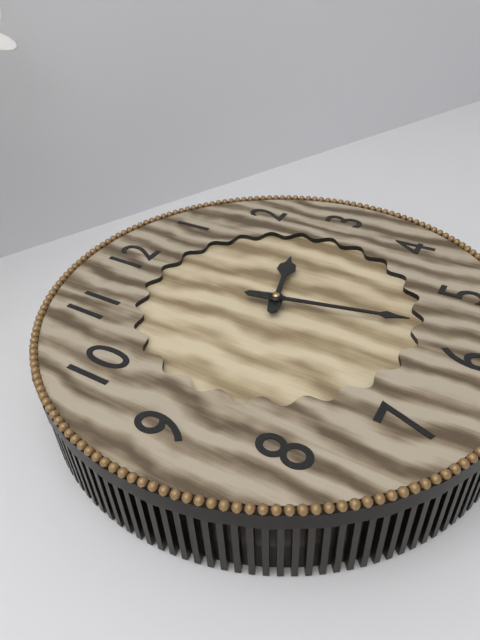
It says 2.28
